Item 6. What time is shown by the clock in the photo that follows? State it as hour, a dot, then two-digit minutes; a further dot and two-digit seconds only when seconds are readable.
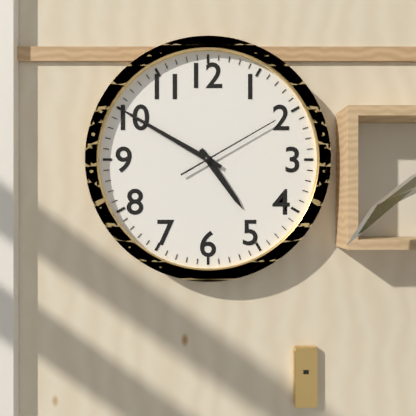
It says 4.50.10
